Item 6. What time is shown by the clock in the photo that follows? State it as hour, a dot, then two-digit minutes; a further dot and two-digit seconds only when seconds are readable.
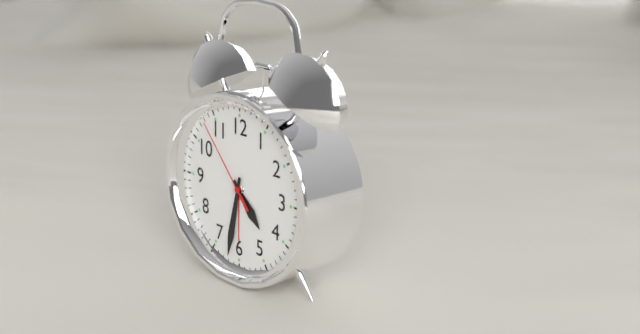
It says 4.32.53
